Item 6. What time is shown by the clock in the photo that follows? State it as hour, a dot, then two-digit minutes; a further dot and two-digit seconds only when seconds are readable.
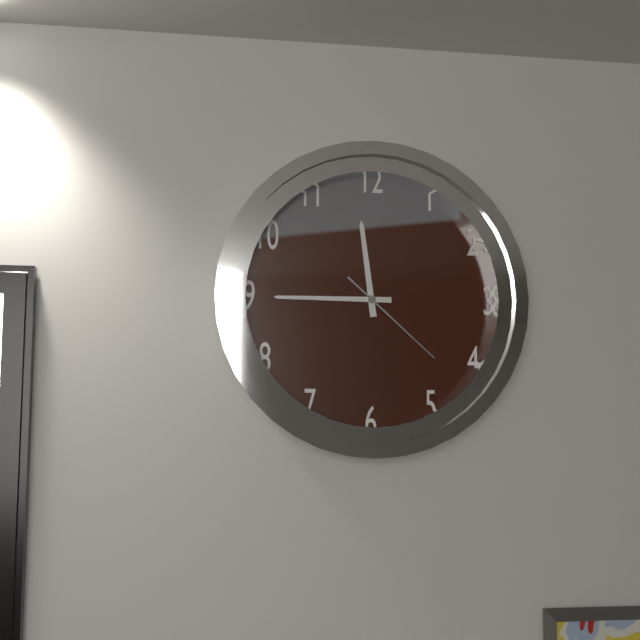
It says 11.45.22
